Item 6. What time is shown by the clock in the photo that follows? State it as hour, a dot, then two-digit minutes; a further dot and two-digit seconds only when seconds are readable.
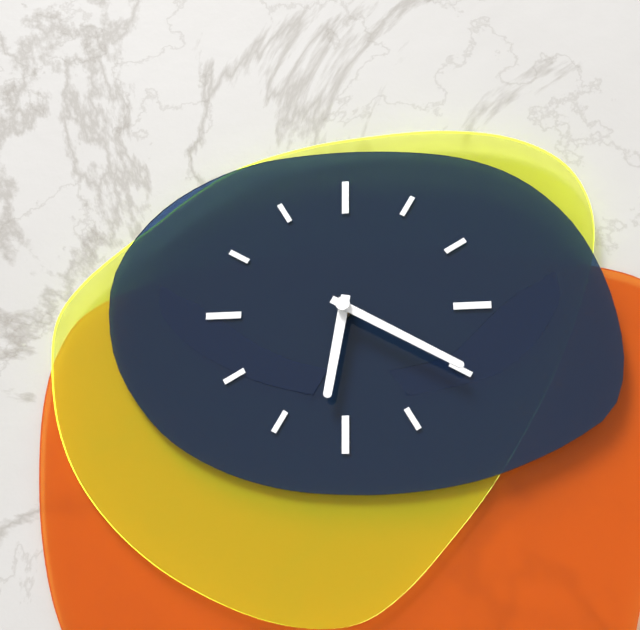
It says 6.20
